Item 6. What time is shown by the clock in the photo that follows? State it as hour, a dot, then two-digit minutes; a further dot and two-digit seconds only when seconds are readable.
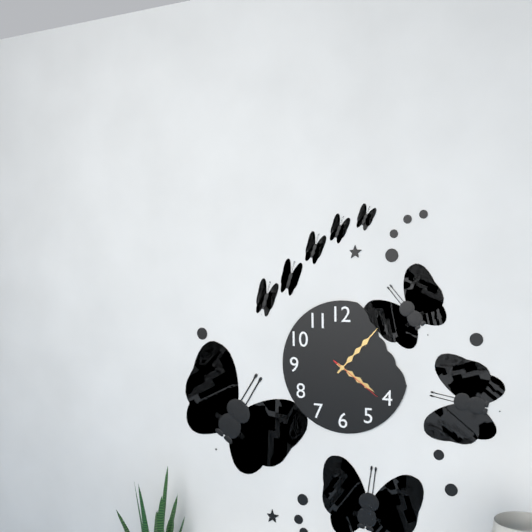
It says 4.07.21
